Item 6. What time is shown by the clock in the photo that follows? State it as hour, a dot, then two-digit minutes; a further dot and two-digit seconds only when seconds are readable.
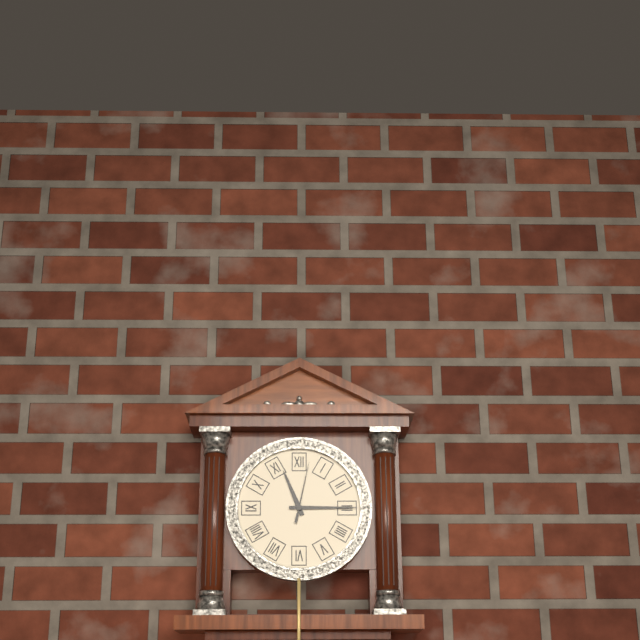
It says 11.15.02
